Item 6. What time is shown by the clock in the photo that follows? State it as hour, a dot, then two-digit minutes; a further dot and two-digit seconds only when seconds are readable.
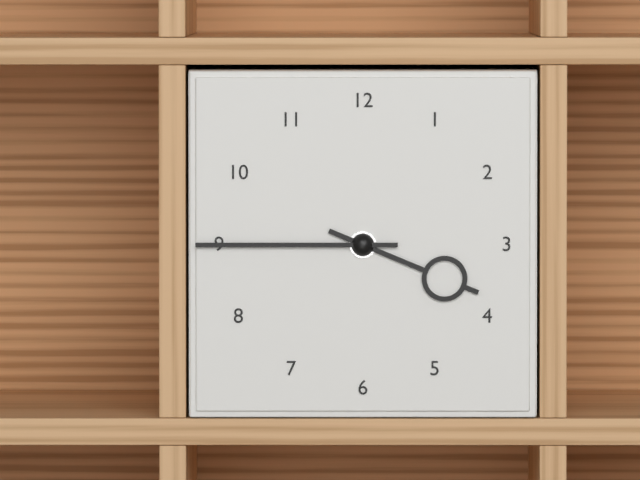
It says 3.45
